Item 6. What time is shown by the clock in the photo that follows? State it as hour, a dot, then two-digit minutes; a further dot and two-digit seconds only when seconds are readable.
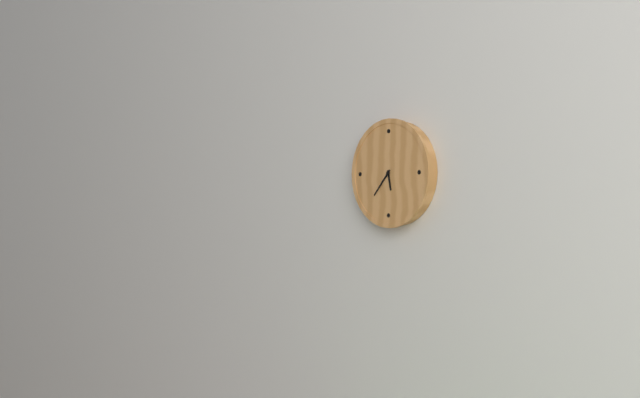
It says 5.37
